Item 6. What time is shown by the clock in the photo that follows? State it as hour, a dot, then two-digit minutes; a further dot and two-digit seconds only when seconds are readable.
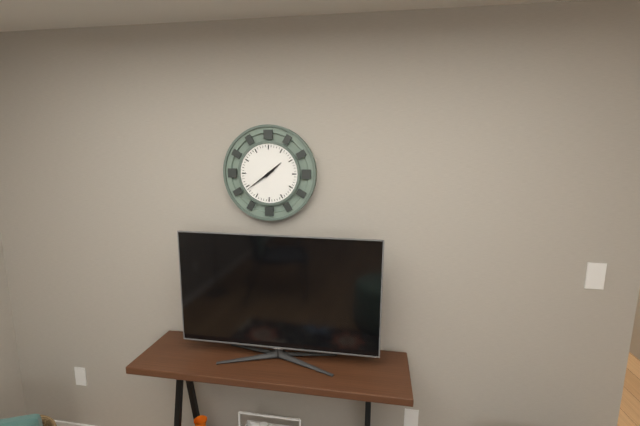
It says 1.39
